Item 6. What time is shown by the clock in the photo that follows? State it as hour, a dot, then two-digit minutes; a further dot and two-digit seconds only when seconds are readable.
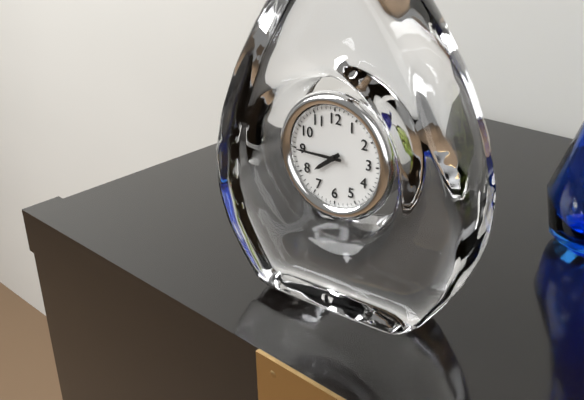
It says 7.45
